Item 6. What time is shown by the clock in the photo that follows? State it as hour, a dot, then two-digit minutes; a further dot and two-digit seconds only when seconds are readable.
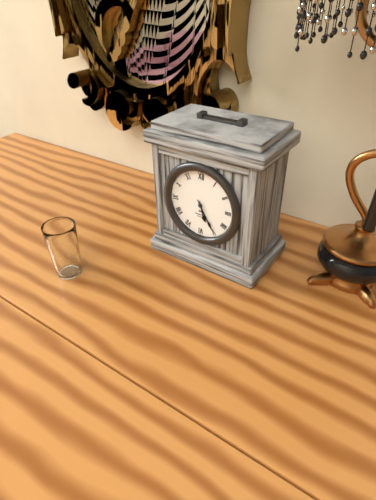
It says 5.25
